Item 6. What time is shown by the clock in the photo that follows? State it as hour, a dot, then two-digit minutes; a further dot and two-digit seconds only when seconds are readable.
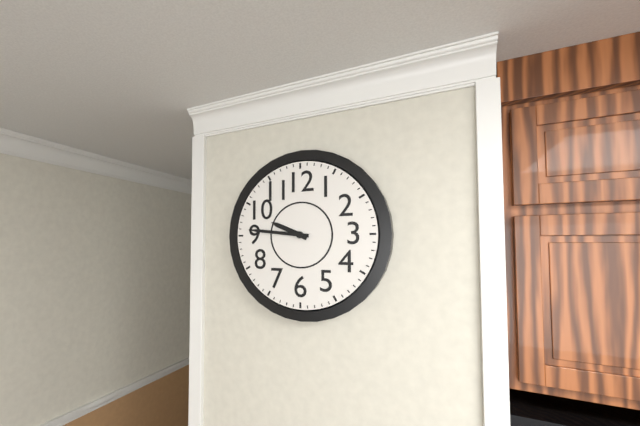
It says 9.46
